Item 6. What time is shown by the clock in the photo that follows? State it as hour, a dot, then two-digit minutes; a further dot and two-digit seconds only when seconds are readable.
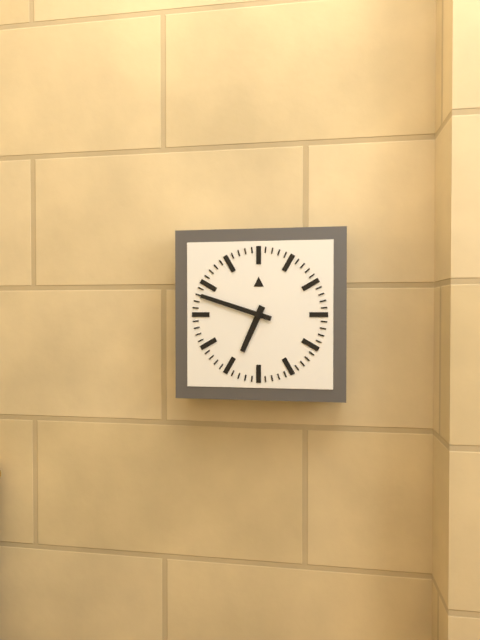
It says 6.48
